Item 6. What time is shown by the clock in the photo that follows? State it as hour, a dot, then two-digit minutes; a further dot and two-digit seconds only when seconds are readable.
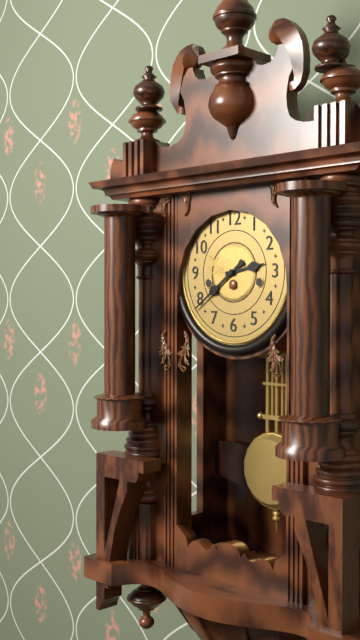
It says 2.39
